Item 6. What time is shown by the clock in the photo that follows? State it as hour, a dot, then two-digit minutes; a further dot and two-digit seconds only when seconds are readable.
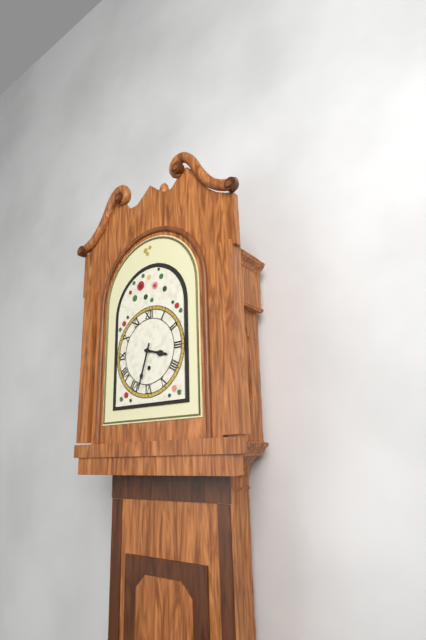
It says 3.33
